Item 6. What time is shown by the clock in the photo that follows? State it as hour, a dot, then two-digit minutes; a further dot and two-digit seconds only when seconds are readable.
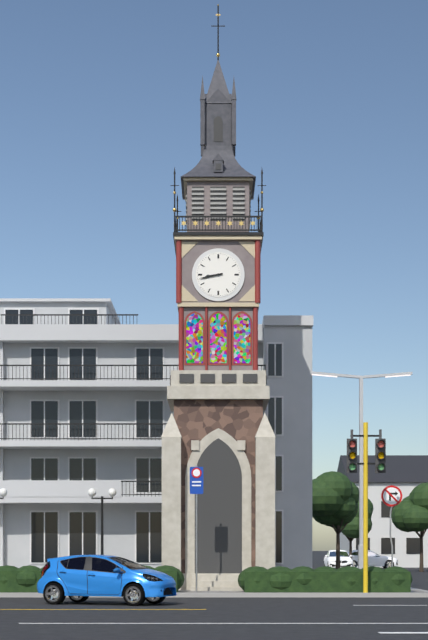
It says 8.43
